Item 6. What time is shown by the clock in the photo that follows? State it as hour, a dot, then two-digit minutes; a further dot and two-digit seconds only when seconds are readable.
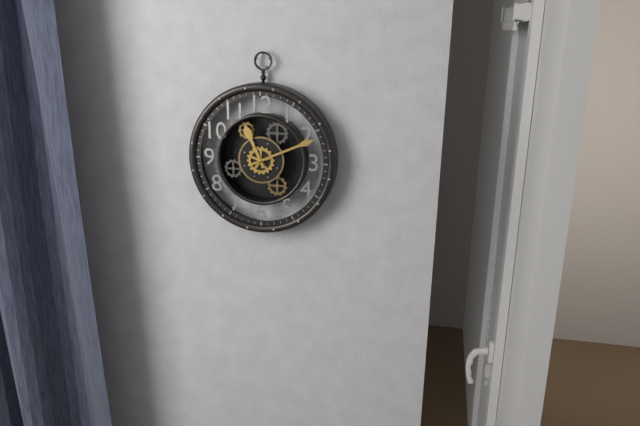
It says 11.11
